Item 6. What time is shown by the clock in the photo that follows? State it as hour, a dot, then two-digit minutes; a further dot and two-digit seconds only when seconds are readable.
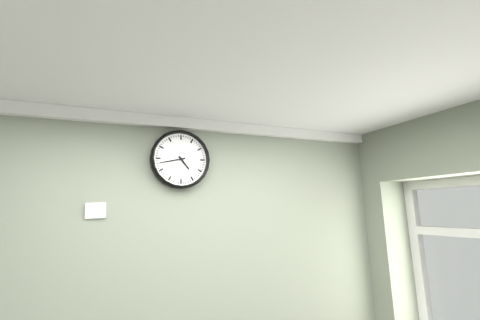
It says 4.43
